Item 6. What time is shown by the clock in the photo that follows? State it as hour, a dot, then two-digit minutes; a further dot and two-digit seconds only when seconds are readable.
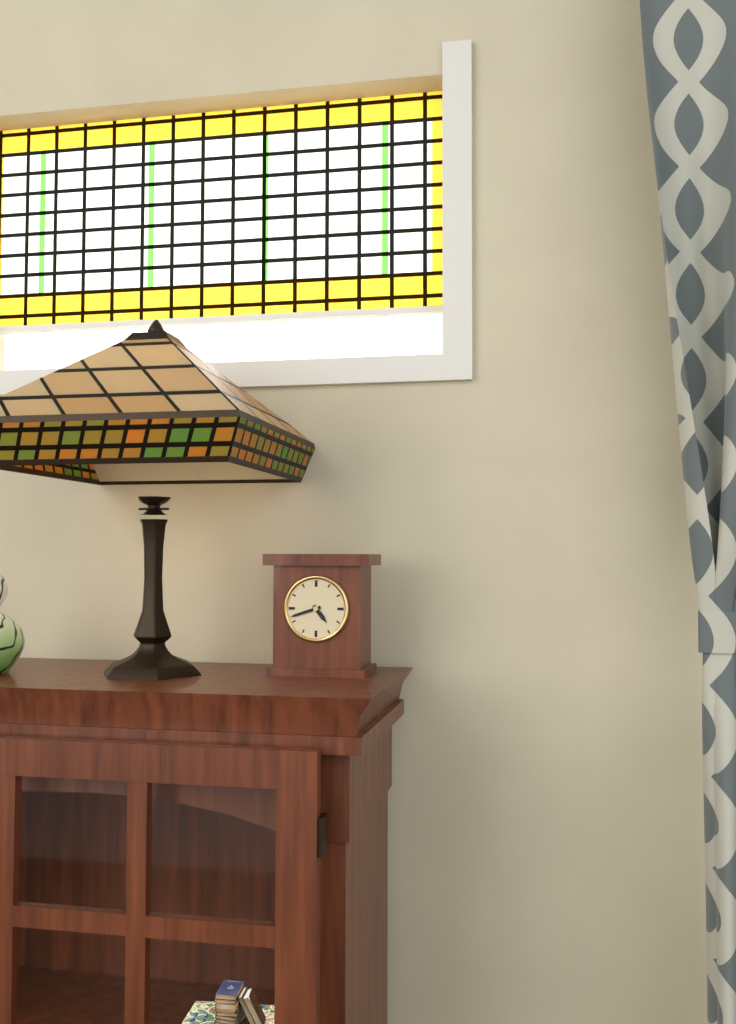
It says 4.42
